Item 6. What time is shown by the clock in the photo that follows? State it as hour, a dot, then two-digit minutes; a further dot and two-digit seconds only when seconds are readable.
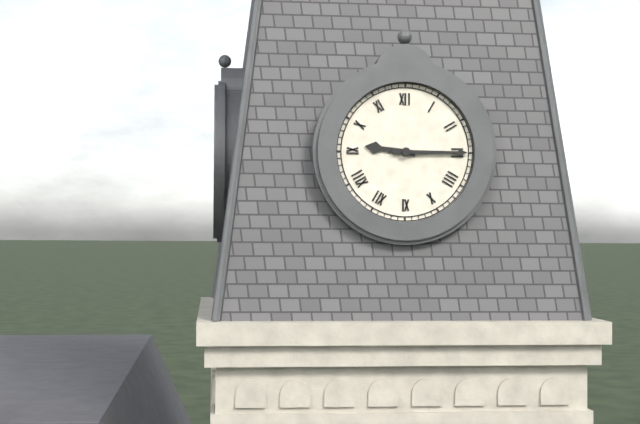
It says 9.15
